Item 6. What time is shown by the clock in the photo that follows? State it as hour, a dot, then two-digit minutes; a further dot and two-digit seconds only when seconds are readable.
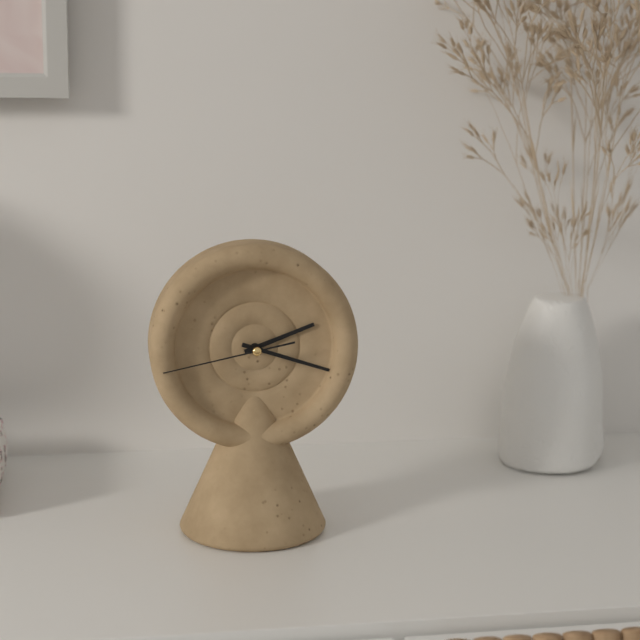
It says 2.18.43
